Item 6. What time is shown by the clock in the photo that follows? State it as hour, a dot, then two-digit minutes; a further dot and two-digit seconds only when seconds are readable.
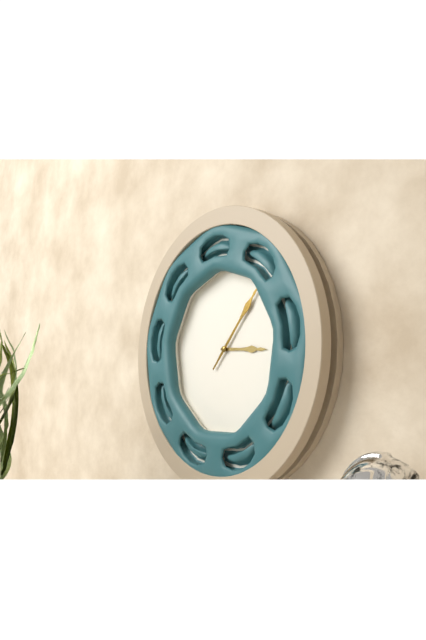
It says 3.07
